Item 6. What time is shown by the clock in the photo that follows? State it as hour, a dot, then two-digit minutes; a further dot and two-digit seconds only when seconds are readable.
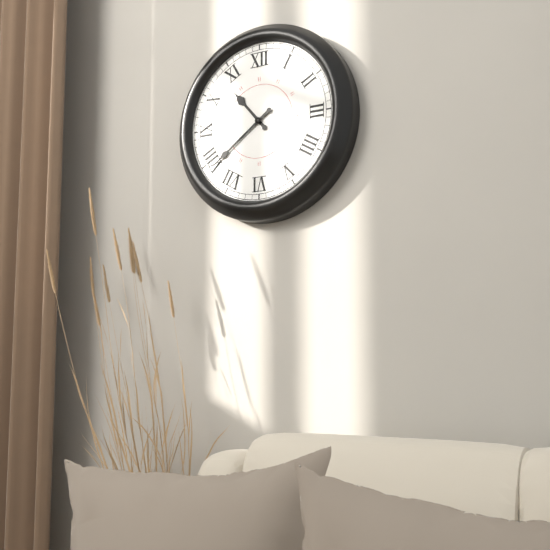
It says 10.39
